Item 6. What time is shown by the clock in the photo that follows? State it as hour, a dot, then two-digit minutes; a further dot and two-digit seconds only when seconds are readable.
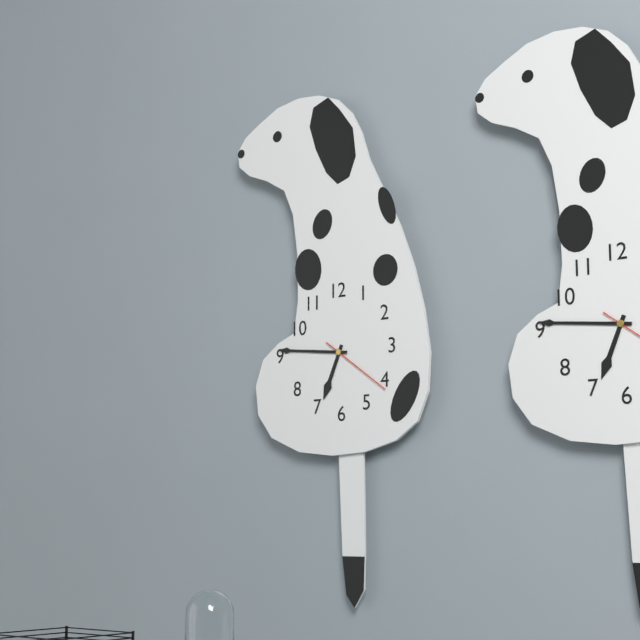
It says 6.46.21
